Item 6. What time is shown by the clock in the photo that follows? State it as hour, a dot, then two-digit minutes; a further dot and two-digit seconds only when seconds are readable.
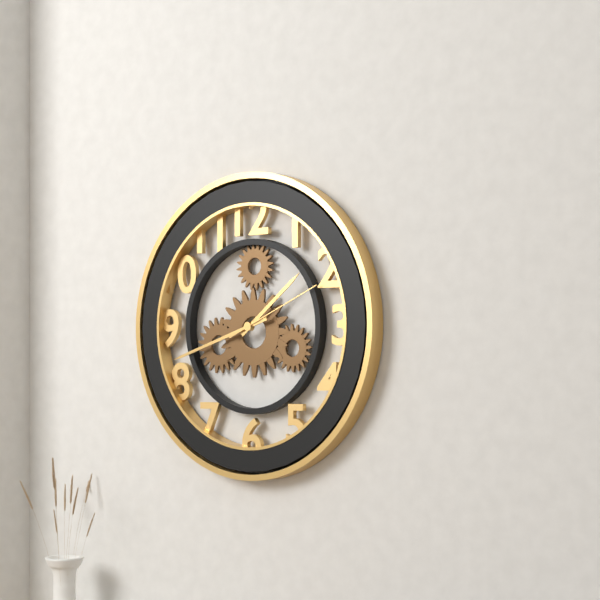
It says 1.42.11
